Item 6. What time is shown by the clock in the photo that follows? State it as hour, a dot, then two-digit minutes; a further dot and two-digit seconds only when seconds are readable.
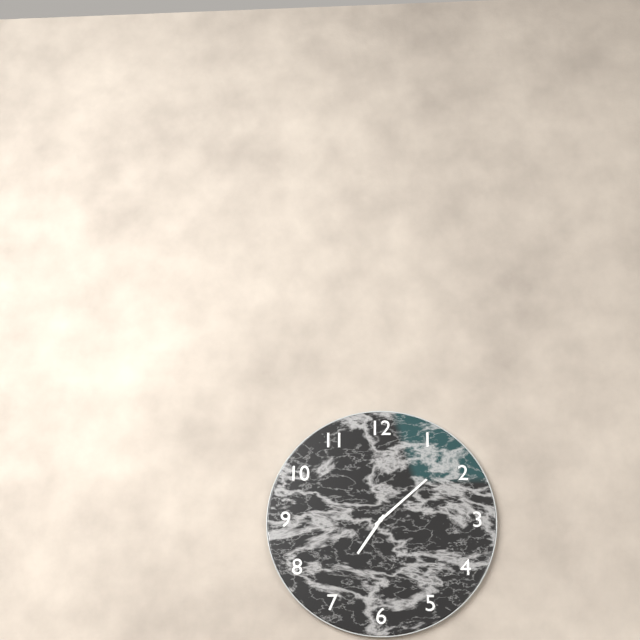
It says 7.08
